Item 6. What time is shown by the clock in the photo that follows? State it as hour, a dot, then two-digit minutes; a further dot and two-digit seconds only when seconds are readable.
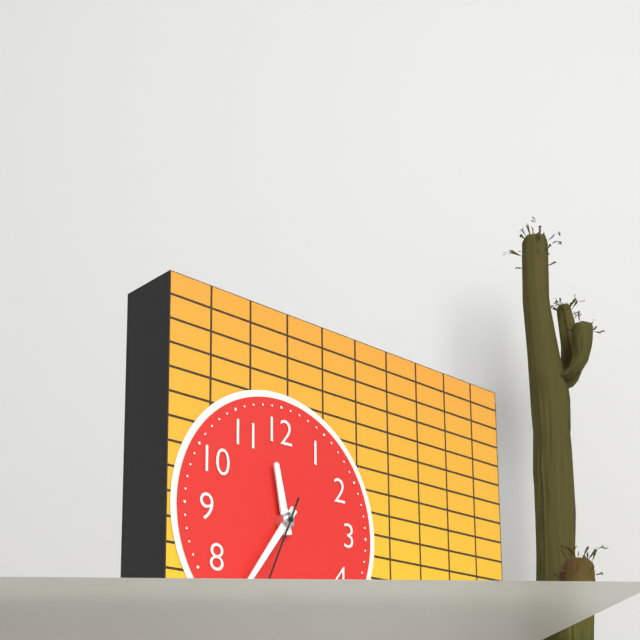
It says 11.36
